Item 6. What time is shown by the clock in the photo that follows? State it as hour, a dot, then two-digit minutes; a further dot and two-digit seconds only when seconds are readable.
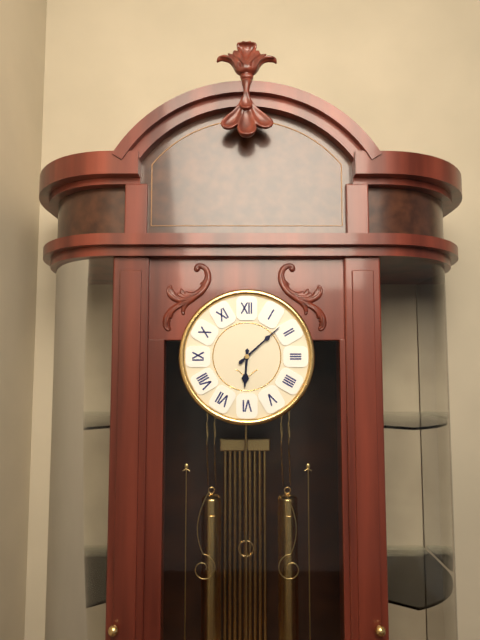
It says 6.08
